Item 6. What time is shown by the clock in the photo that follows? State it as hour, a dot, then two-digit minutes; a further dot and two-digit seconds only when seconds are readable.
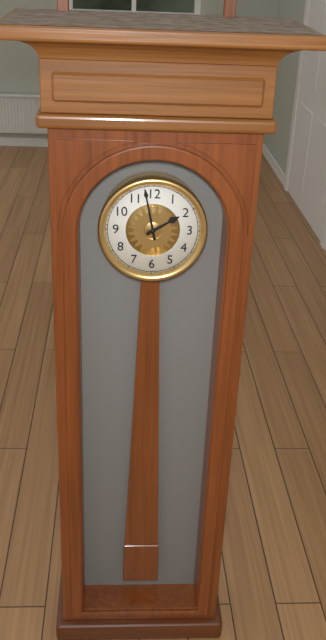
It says 1.58
